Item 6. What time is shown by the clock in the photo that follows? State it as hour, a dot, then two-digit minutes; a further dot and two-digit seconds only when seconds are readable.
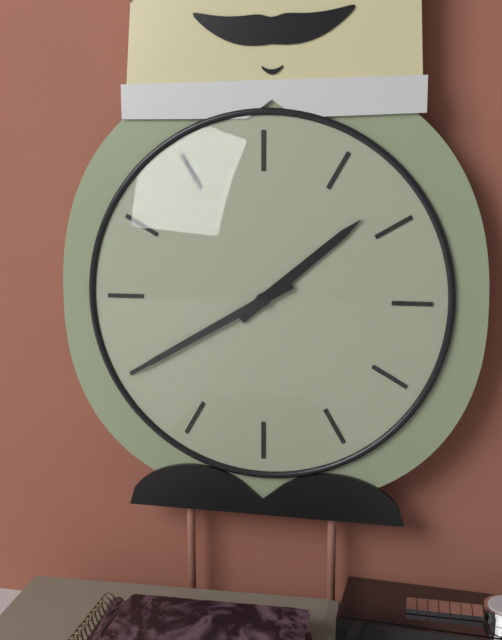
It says 1.40
